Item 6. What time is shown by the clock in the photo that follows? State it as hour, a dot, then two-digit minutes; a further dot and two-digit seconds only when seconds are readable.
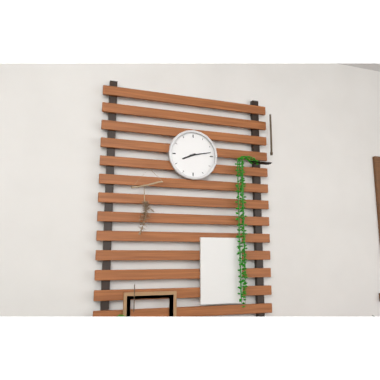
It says 8.13
